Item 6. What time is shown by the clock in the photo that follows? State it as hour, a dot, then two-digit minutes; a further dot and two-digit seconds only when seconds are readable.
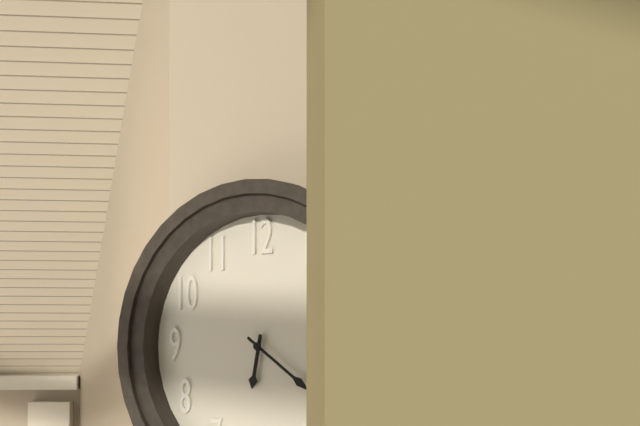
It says 6.21
